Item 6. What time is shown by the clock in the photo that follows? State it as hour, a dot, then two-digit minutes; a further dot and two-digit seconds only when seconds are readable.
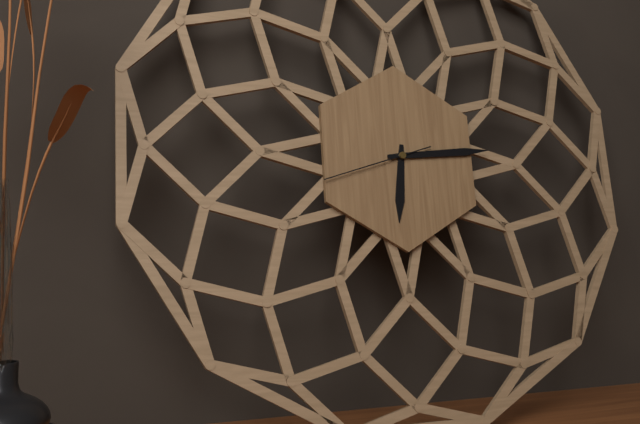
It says 6.14.42
